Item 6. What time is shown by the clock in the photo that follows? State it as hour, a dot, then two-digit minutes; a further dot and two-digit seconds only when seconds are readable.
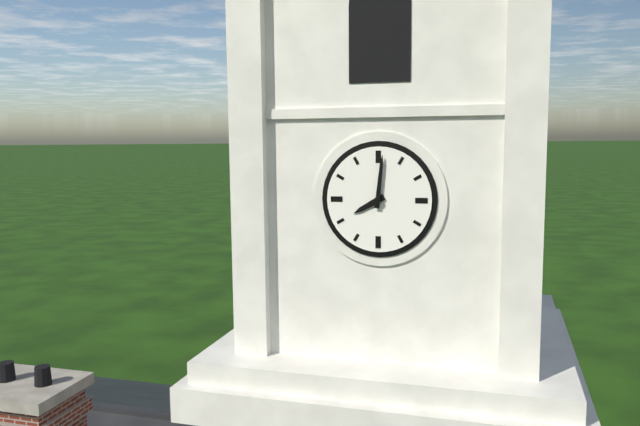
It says 8.01
